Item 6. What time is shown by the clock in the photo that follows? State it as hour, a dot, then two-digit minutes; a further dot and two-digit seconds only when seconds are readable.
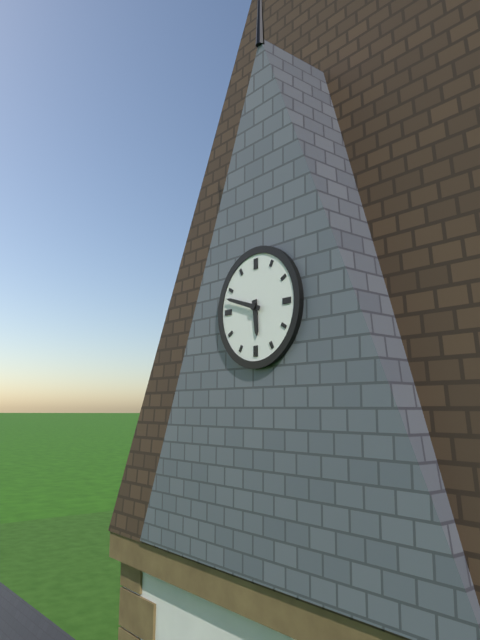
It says 5.48
